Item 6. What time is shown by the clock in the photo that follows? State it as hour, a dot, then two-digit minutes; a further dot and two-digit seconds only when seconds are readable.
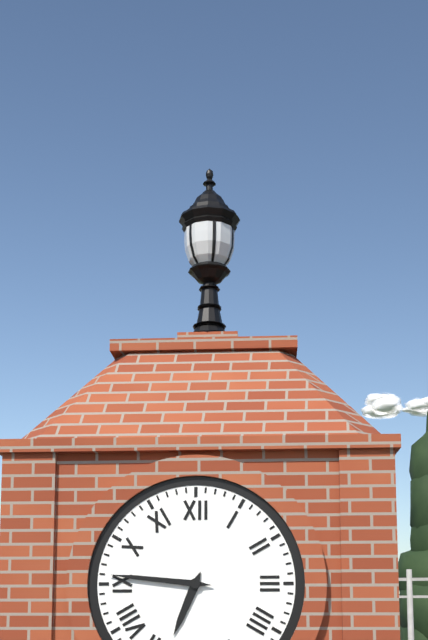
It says 6.46
